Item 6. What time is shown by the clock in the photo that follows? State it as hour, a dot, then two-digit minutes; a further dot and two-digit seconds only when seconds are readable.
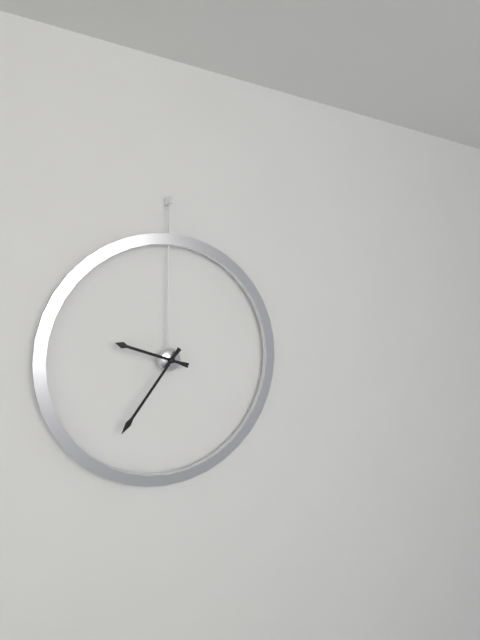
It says 9.36
